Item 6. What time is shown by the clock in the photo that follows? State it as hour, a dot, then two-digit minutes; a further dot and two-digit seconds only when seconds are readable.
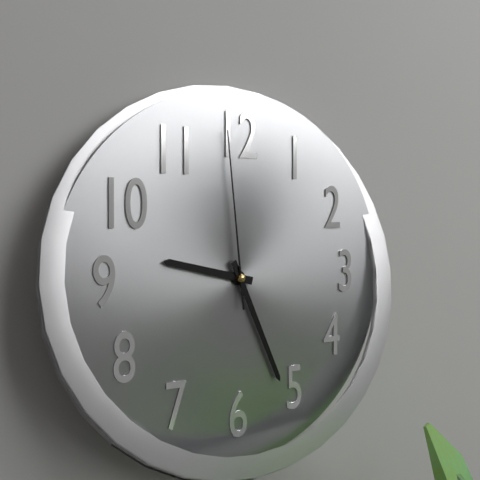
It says 9.26.59
